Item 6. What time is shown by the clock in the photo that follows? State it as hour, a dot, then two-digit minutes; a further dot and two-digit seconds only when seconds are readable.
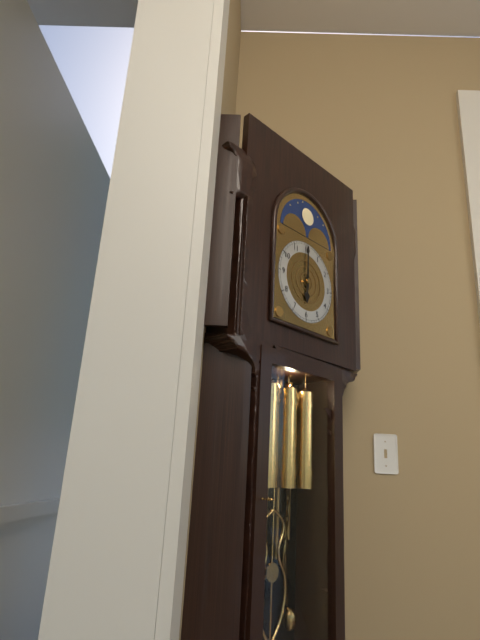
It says 6.00
